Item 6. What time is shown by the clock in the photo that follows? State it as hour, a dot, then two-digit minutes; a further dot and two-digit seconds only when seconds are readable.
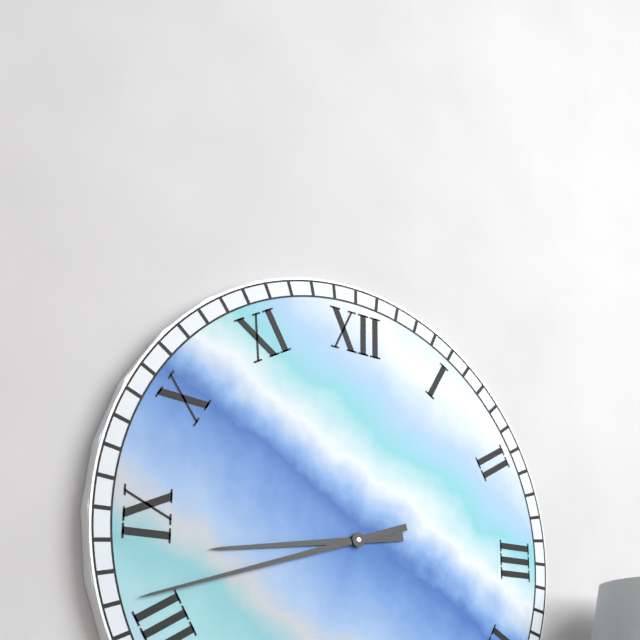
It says 8.42
